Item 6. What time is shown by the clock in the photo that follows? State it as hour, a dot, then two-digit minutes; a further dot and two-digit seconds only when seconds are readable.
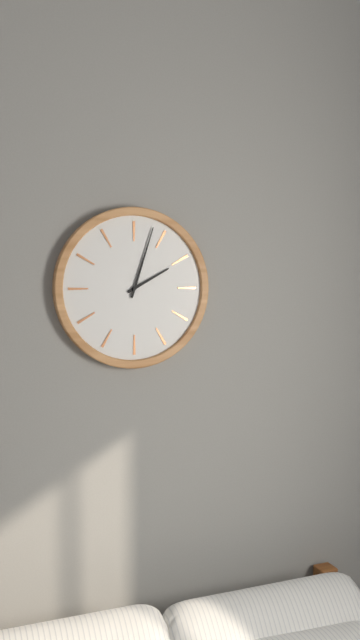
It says 2.03
